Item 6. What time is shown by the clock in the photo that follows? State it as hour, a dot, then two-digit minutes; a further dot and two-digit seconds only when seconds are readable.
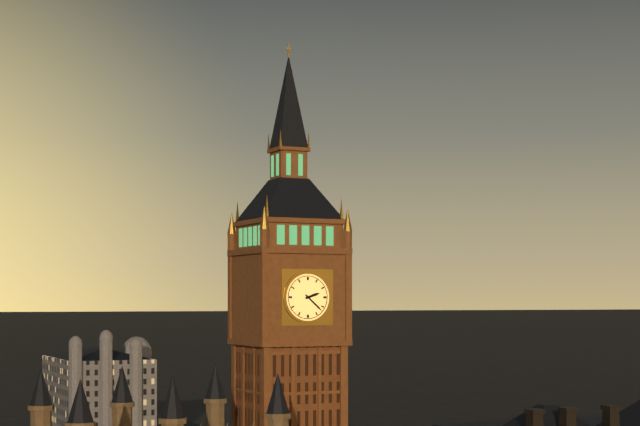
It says 2.22
